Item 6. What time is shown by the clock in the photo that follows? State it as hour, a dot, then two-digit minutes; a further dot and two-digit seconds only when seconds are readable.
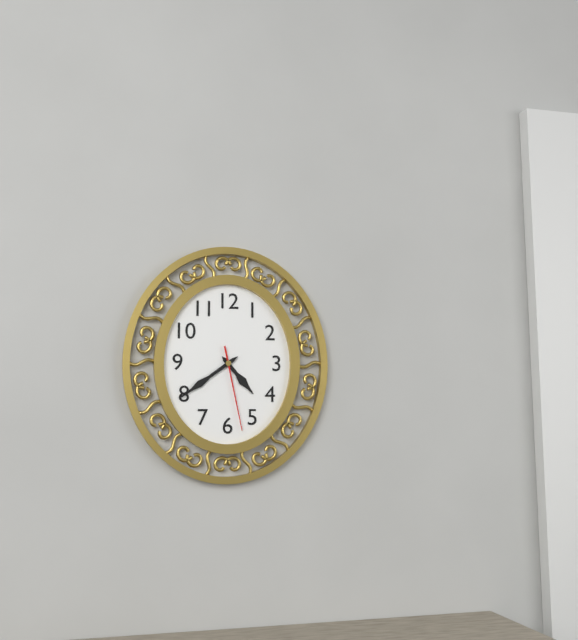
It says 4.39.28
